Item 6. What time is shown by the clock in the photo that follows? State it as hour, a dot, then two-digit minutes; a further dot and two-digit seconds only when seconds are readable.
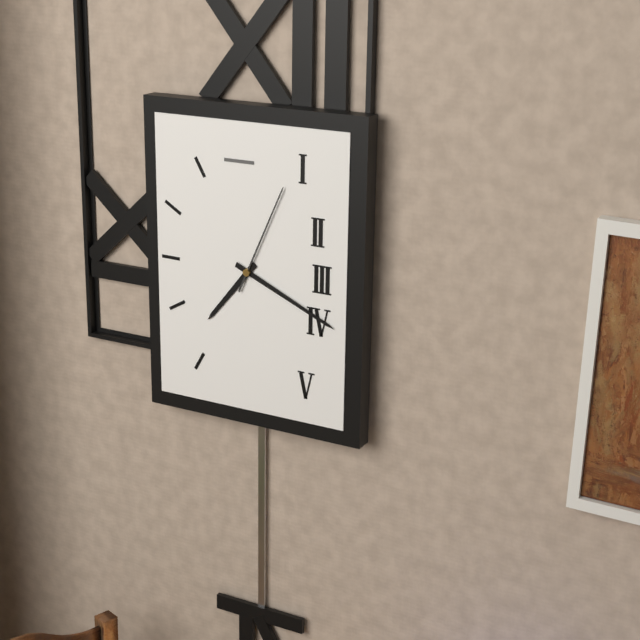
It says 7.19.04
